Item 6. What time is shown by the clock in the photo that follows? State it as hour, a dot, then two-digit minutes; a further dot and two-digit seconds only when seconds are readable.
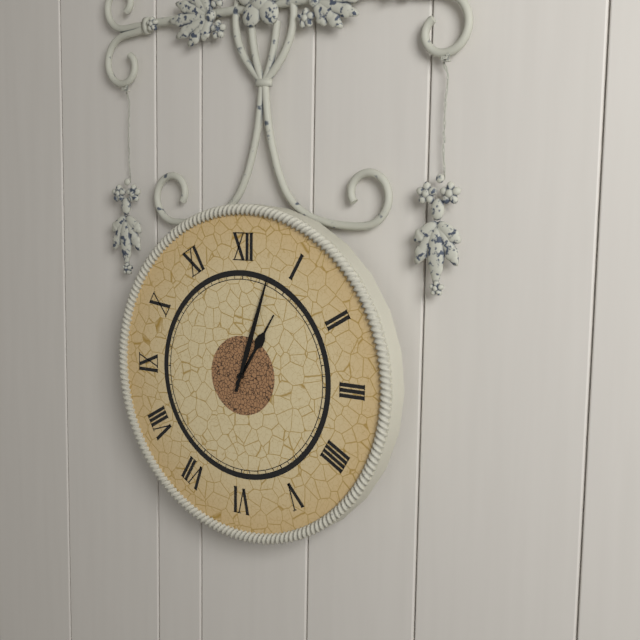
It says 1.03
